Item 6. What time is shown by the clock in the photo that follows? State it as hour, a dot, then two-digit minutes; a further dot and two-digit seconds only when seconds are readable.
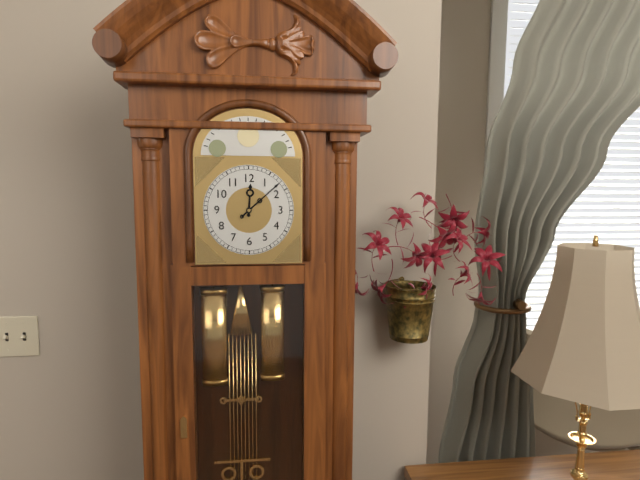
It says 12.08
